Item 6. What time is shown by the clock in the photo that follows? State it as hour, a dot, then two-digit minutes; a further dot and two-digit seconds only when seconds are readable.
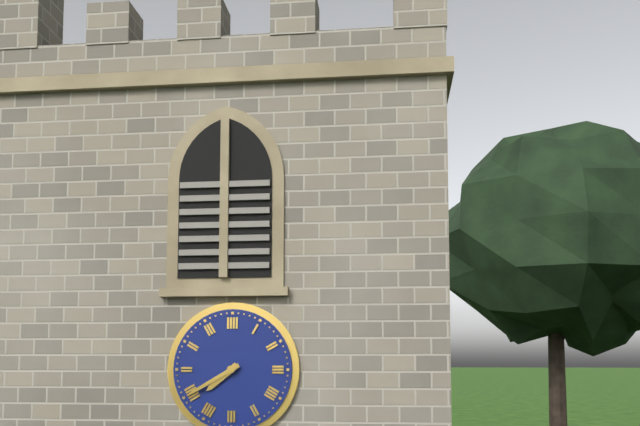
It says 7.40
